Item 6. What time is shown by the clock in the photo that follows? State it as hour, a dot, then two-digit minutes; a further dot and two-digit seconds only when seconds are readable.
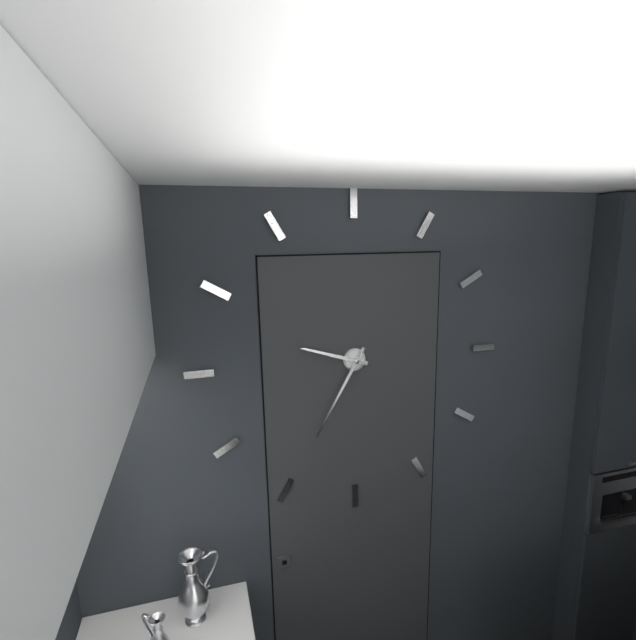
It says 9.35
